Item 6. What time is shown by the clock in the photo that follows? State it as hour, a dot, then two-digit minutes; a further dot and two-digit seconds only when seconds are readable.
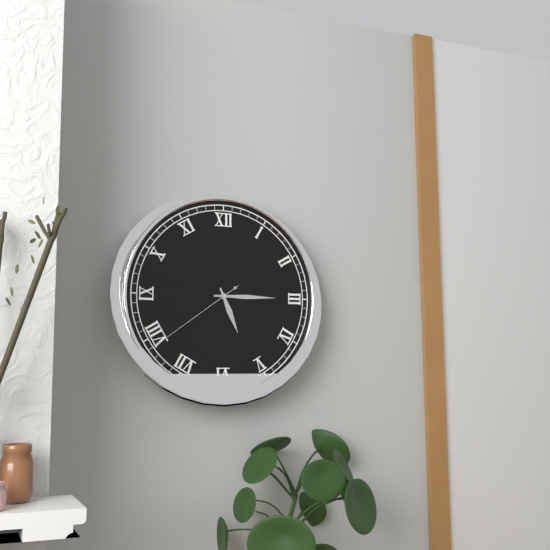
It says 5.15.39
